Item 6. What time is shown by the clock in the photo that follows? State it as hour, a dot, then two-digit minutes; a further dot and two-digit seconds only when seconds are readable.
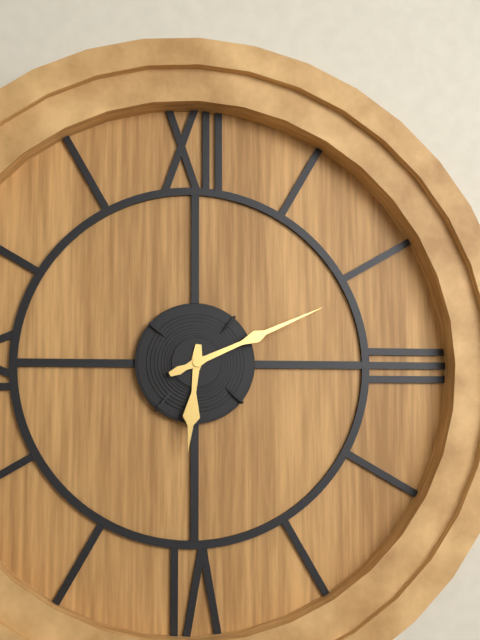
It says 6.11
